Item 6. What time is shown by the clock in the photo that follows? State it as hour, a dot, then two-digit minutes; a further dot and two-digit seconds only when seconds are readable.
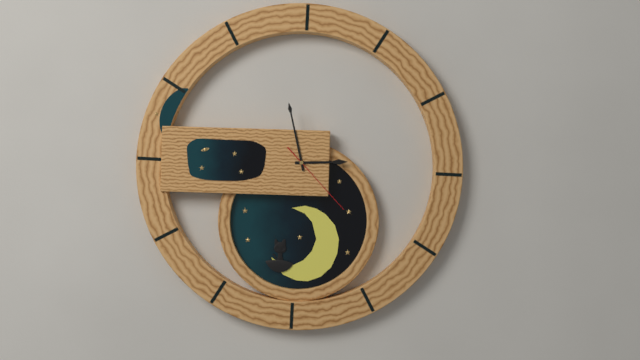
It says 2.58.23
